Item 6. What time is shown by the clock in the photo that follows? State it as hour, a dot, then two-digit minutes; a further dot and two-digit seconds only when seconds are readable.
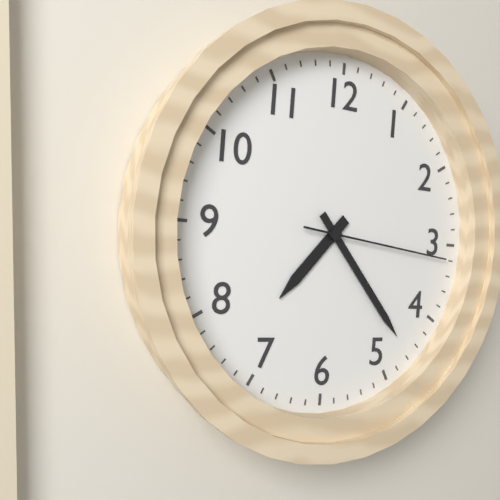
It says 7.23.16
